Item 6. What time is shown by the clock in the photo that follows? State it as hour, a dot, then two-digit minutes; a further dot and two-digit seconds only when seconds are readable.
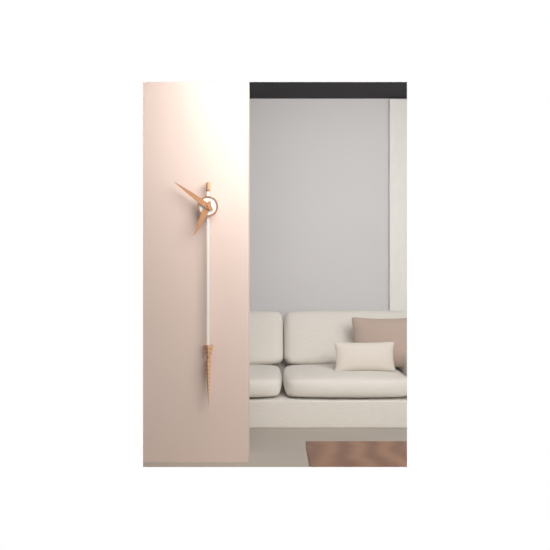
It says 6.51
